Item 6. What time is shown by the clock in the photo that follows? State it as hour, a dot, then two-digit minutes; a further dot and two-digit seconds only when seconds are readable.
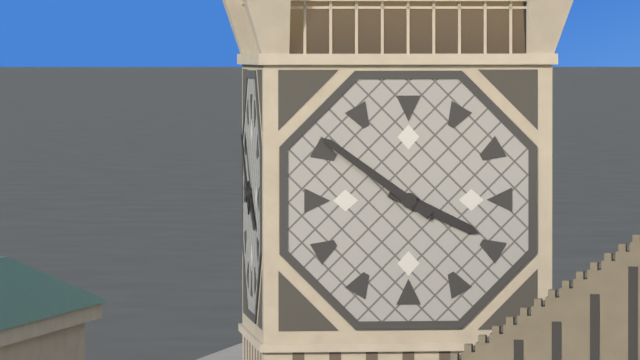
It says 3.51
